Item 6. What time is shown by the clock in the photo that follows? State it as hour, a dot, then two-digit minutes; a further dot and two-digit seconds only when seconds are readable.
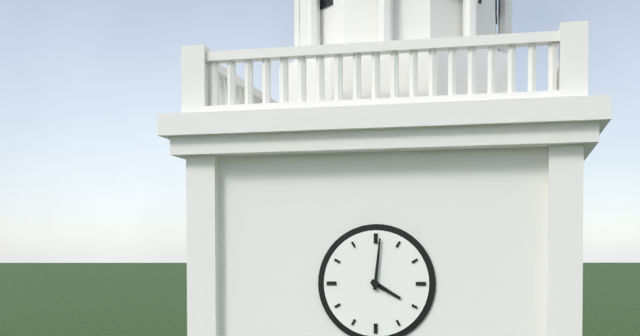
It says 4.01
